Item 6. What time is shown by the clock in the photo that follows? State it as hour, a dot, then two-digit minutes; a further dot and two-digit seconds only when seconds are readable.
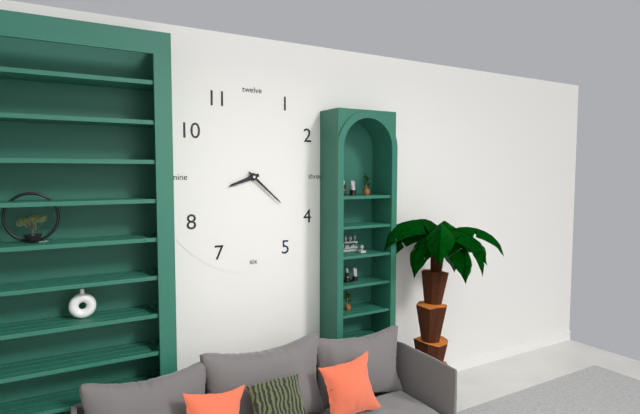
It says 8.22
